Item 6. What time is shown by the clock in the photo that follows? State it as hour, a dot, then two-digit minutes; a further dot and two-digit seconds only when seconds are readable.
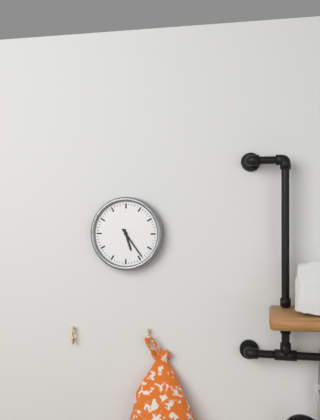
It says 5.24
